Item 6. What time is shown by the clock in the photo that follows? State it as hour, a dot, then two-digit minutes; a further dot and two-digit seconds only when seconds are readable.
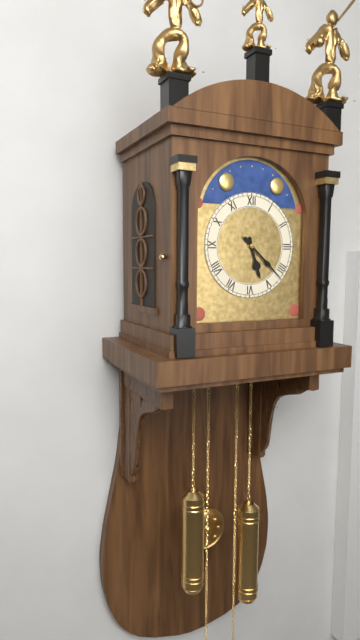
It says 5.22
